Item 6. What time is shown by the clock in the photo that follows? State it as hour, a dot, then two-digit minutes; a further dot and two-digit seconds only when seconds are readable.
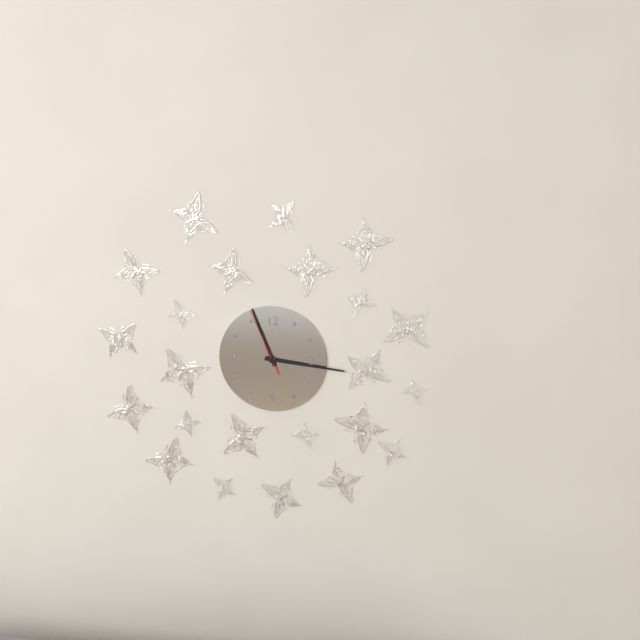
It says 11.16.56
